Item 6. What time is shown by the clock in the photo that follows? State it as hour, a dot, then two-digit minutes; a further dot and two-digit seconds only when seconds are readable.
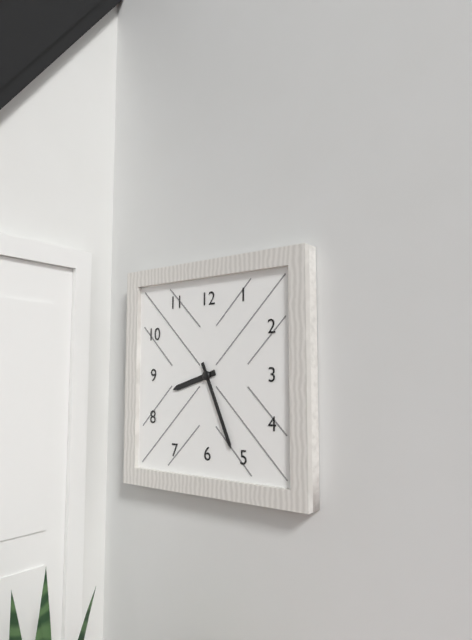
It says 8.26
